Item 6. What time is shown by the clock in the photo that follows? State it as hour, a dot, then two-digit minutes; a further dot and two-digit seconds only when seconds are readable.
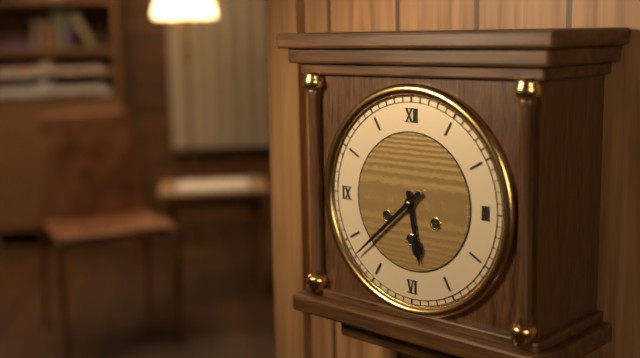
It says 5.38
